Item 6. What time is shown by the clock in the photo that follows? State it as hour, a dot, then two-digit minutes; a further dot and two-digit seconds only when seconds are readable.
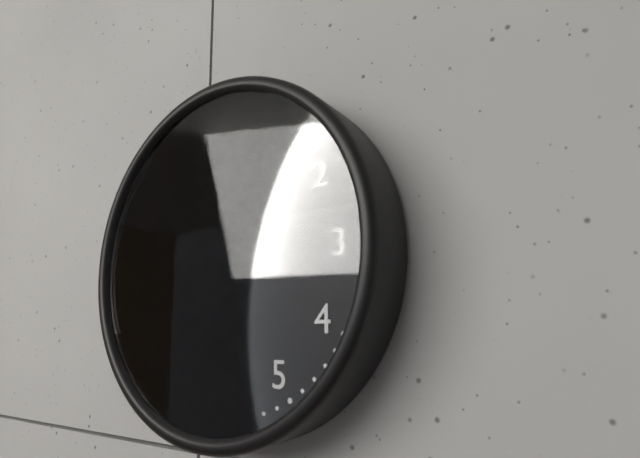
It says 9.00
